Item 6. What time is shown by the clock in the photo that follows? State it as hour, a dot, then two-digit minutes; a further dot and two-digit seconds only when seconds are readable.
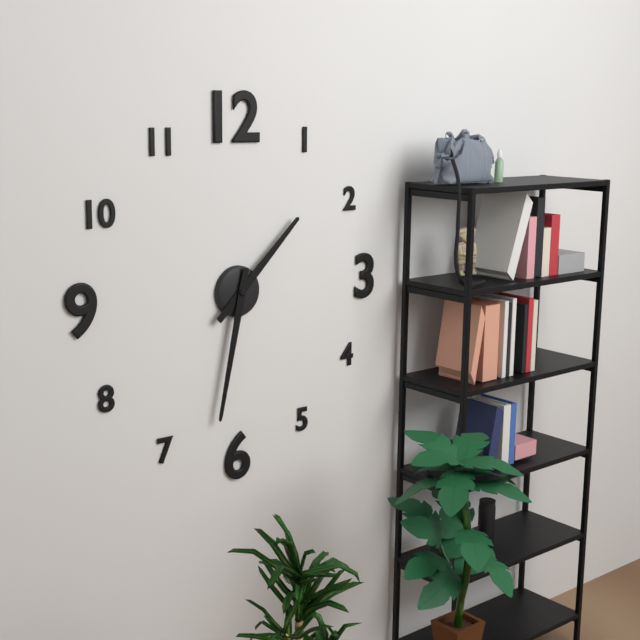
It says 1.32
